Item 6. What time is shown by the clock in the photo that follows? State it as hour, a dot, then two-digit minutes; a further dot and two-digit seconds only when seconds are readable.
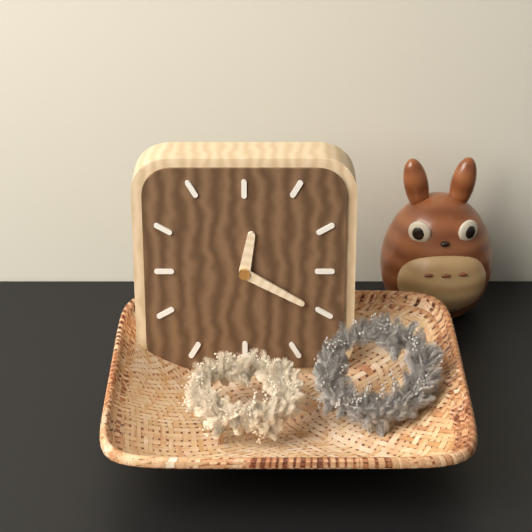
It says 12.20
